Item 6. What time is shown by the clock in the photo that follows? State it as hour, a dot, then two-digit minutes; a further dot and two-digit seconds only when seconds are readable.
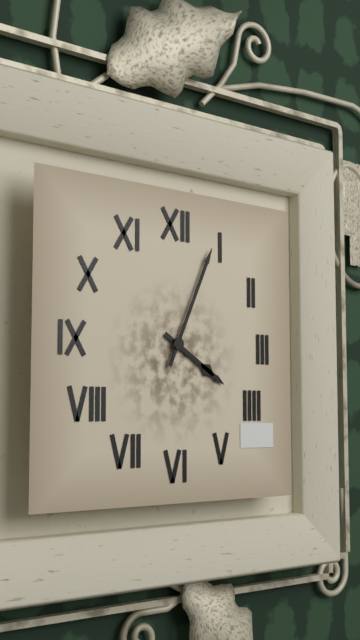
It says 4.04
